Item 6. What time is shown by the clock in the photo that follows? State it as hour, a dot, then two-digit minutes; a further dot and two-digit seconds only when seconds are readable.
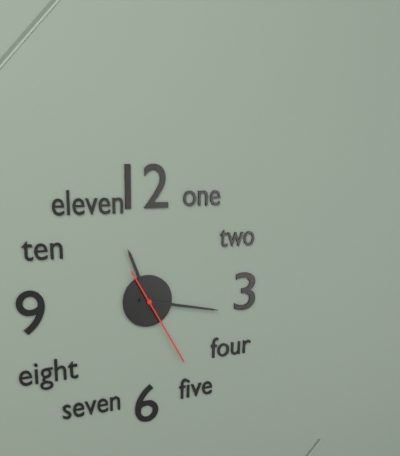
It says 11.17.25
